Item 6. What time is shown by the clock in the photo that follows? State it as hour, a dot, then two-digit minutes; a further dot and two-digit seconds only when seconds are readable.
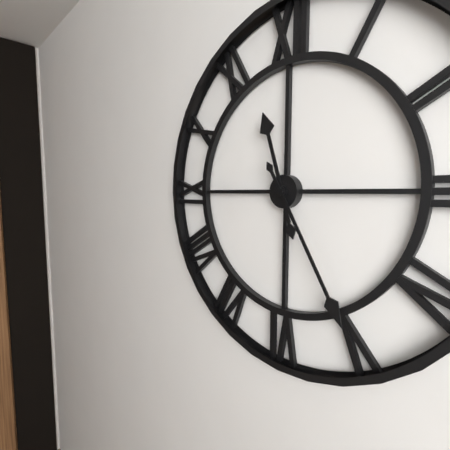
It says 11.25
